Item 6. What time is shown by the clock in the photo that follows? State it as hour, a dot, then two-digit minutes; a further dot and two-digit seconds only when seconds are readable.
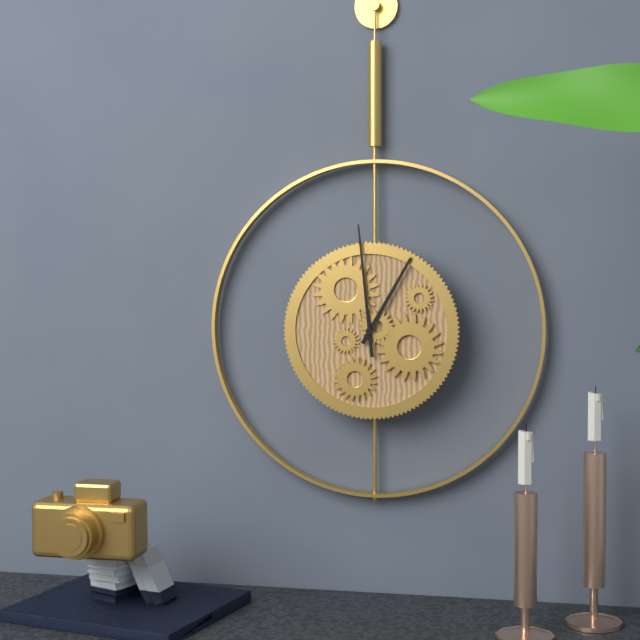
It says 12.59
